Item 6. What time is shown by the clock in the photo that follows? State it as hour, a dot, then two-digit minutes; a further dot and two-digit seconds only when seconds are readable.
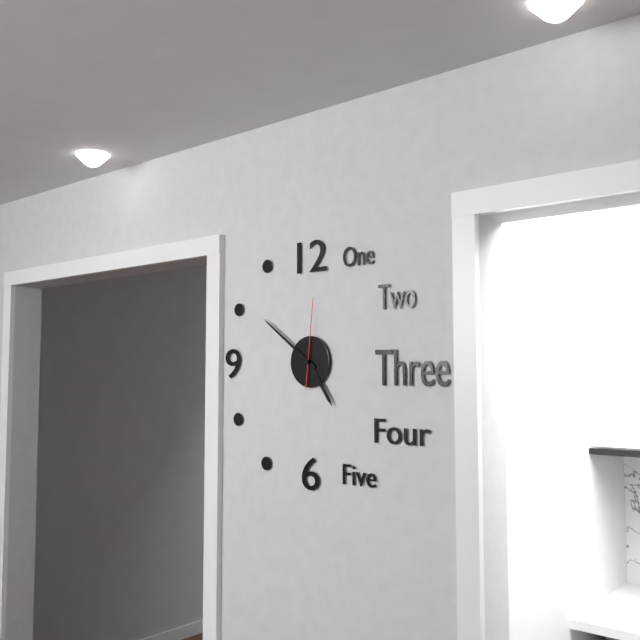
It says 4.51.01
